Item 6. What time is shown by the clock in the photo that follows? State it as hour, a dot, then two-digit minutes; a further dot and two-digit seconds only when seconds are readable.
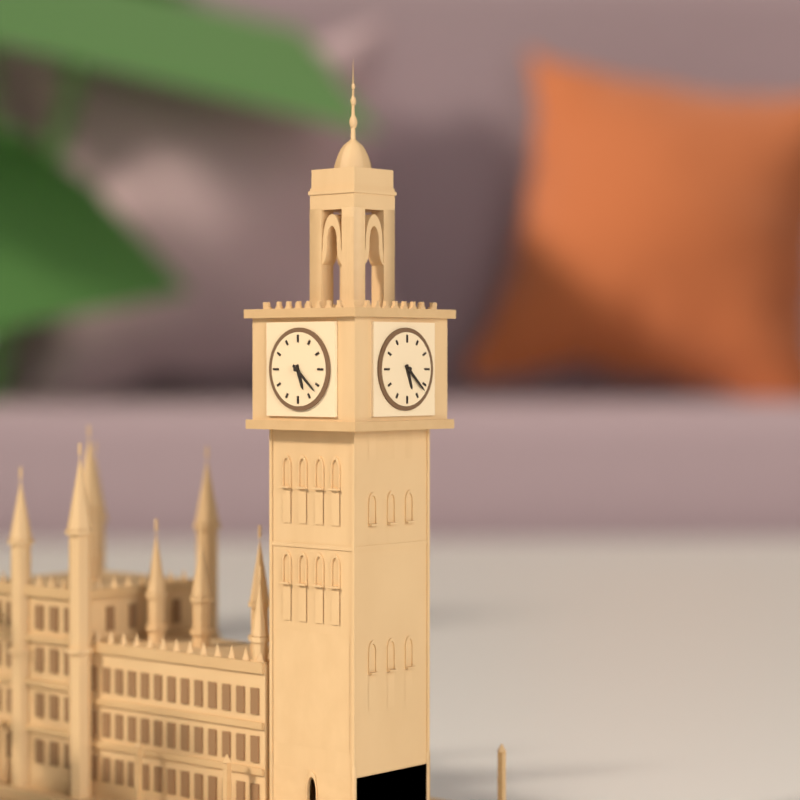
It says 5.22
